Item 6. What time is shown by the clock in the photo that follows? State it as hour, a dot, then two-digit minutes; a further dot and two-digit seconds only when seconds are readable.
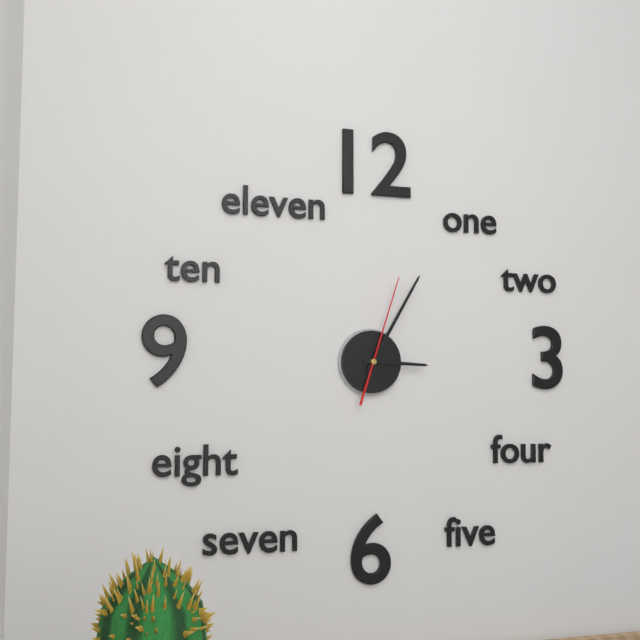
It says 3.05.03
